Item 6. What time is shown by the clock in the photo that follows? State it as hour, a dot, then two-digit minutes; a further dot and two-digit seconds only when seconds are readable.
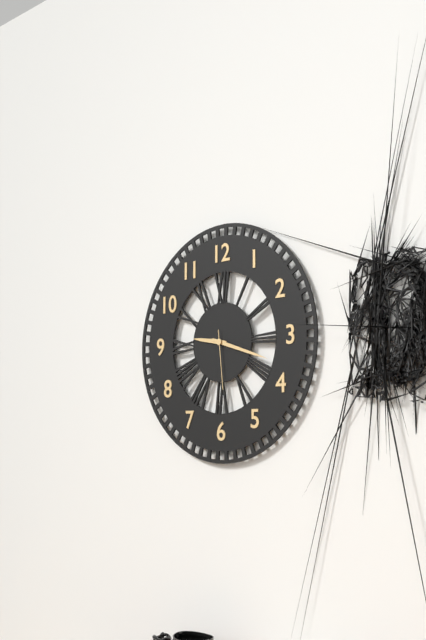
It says 9.18.29
